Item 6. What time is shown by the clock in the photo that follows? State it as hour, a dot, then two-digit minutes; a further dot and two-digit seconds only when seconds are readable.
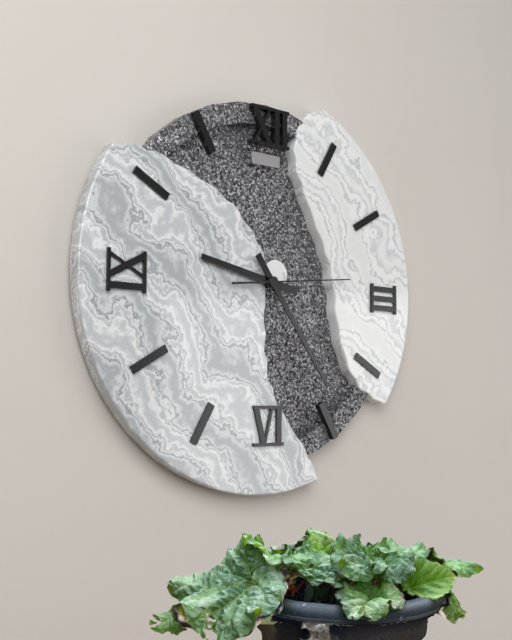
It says 9.24.14
